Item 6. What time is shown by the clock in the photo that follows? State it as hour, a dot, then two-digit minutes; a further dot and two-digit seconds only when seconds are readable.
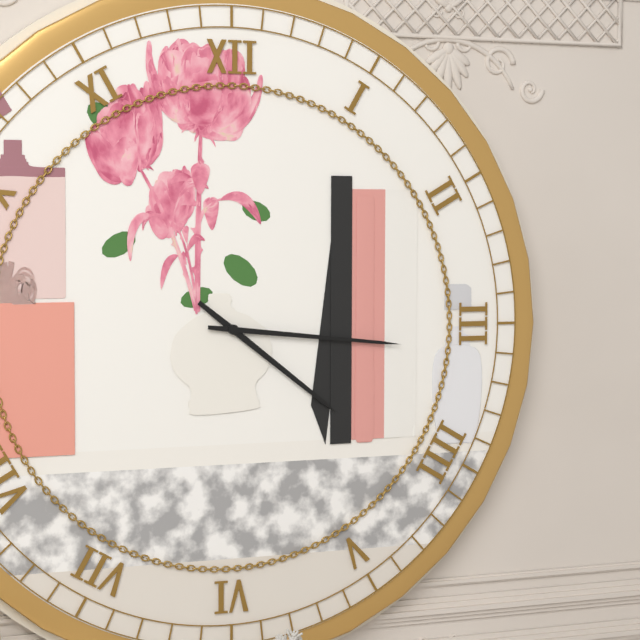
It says 4.16
